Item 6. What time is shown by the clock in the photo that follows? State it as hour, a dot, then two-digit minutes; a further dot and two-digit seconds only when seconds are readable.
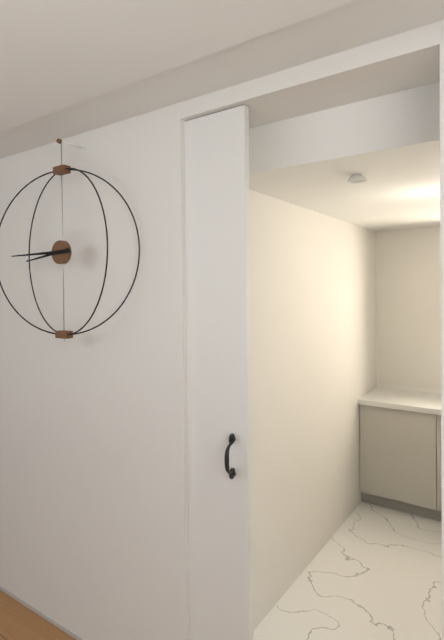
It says 8.45
